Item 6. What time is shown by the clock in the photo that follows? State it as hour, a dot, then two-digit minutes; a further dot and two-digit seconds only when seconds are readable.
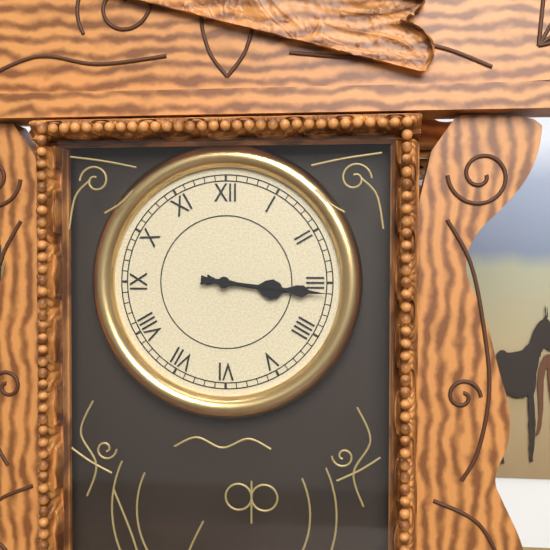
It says 3.16
